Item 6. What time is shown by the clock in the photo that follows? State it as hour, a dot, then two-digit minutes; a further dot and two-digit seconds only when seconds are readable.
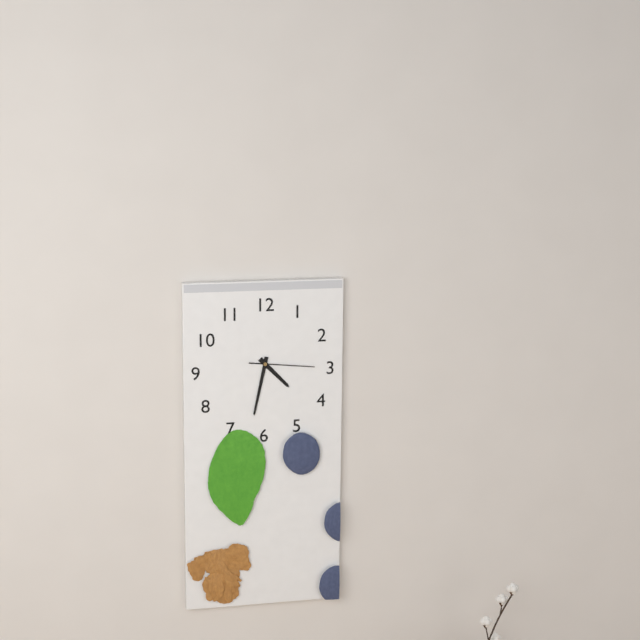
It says 4.32.16
